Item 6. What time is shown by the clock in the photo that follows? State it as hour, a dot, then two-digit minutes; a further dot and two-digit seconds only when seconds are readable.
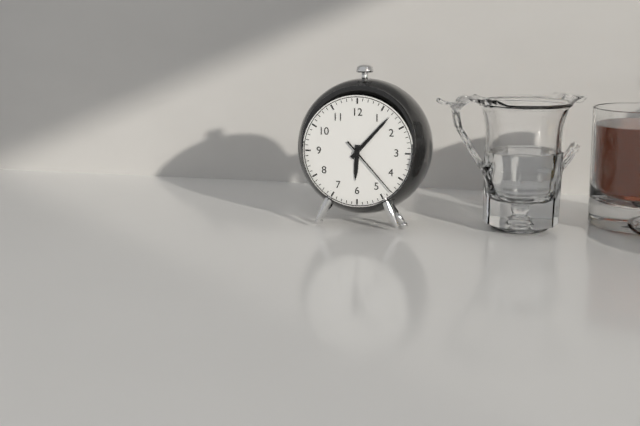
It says 6.07.23
